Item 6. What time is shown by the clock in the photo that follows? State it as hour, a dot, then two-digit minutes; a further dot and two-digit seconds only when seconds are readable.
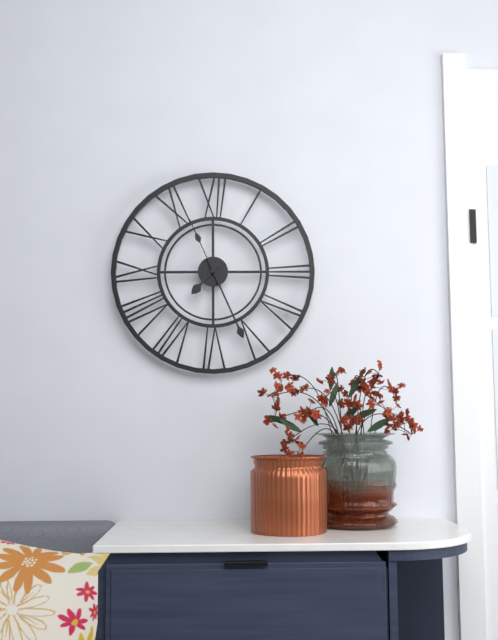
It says 7.26.56
